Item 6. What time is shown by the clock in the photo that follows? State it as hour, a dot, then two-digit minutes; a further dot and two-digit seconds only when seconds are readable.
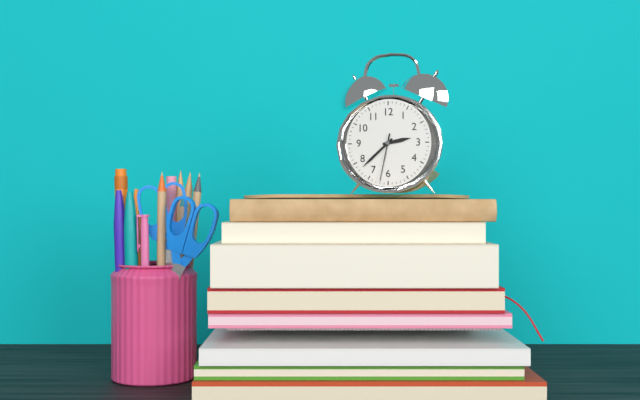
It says 2.38
